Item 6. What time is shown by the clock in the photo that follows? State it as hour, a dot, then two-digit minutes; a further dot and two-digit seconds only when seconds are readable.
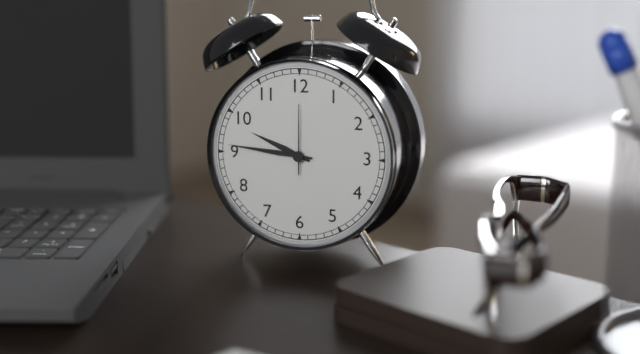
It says 9.46.00
